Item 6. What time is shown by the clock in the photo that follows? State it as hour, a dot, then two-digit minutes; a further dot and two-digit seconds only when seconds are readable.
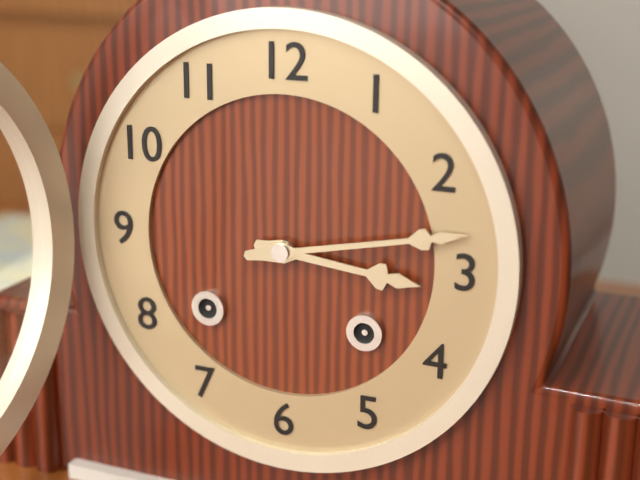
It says 3.13
